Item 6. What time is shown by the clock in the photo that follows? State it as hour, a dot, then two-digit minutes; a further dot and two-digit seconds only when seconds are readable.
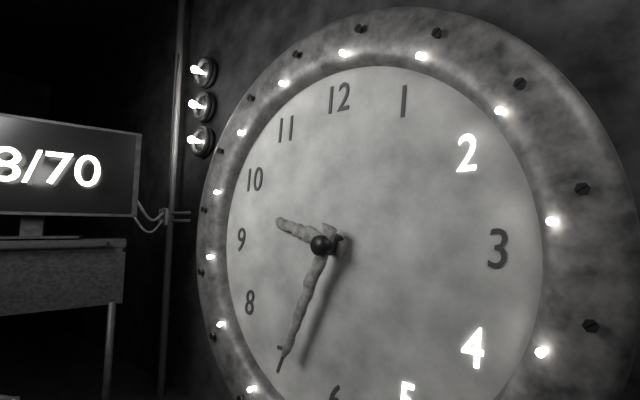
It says 9.34
